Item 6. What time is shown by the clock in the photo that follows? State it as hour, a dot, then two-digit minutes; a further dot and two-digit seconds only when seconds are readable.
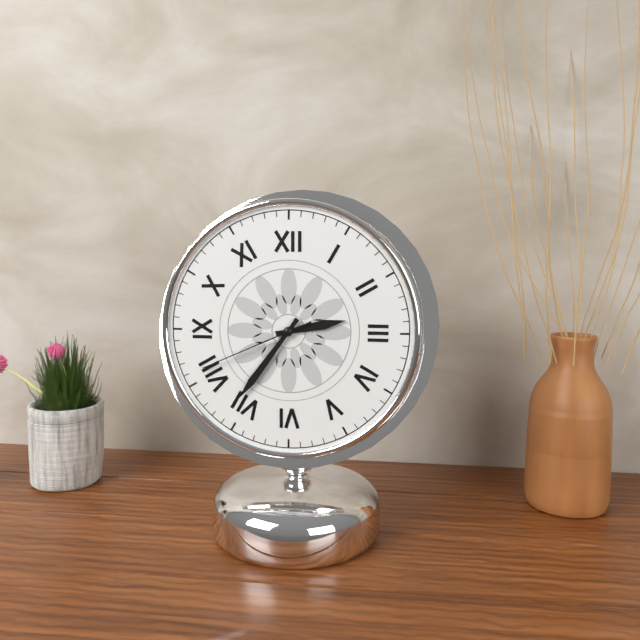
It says 2.36.41
